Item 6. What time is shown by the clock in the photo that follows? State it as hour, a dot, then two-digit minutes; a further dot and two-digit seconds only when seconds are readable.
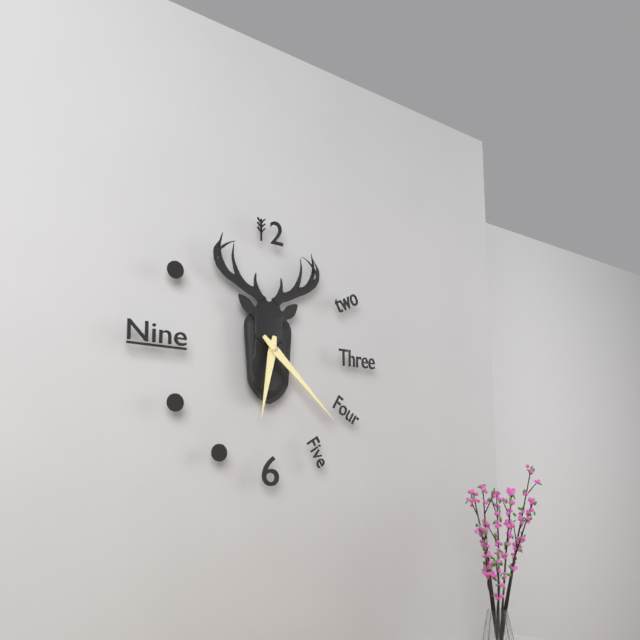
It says 6.22
